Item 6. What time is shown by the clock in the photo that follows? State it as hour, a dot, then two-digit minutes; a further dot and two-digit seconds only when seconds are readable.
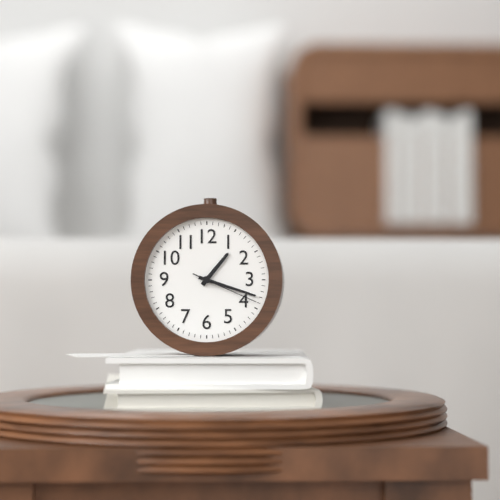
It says 1.18.19
